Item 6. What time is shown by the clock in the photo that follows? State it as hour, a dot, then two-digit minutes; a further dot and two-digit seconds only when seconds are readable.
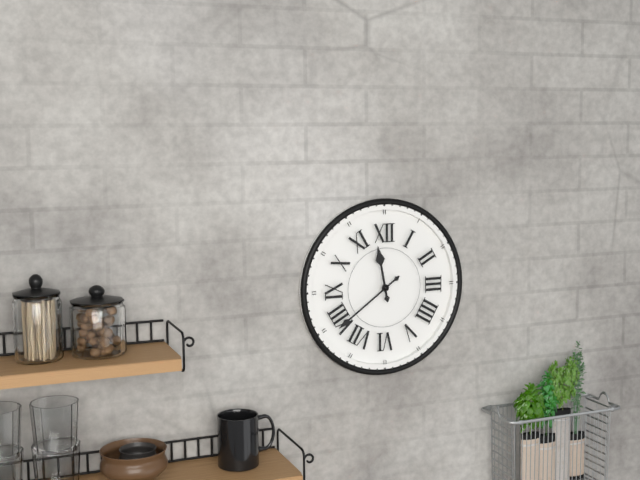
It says 11.39
